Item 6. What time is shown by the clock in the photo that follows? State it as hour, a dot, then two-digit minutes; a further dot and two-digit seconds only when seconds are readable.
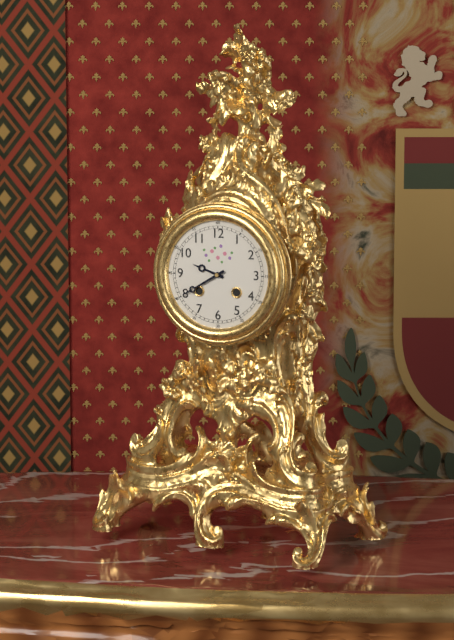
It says 9.40
